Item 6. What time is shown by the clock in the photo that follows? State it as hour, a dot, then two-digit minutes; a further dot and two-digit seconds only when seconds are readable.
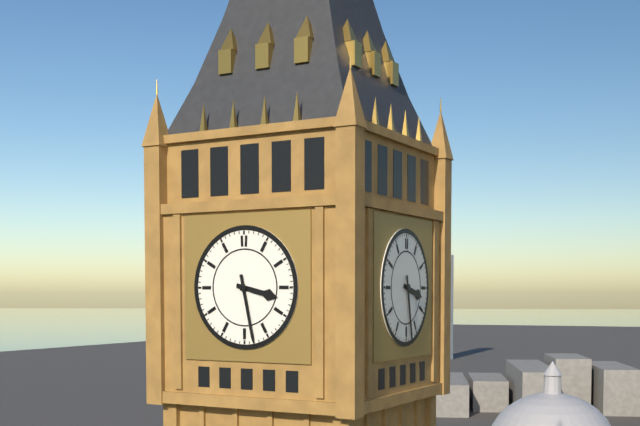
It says 3.28
